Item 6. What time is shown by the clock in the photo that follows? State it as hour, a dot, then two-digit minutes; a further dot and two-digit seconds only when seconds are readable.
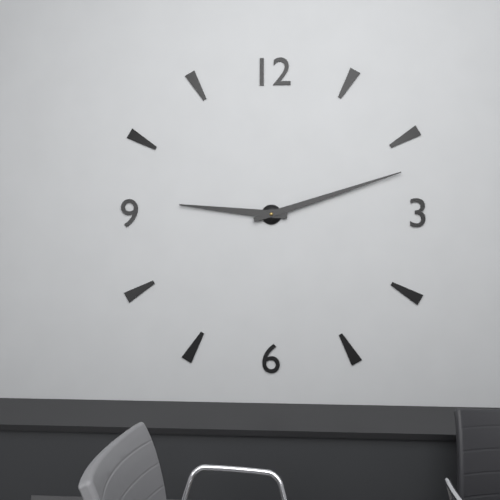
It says 9.12
